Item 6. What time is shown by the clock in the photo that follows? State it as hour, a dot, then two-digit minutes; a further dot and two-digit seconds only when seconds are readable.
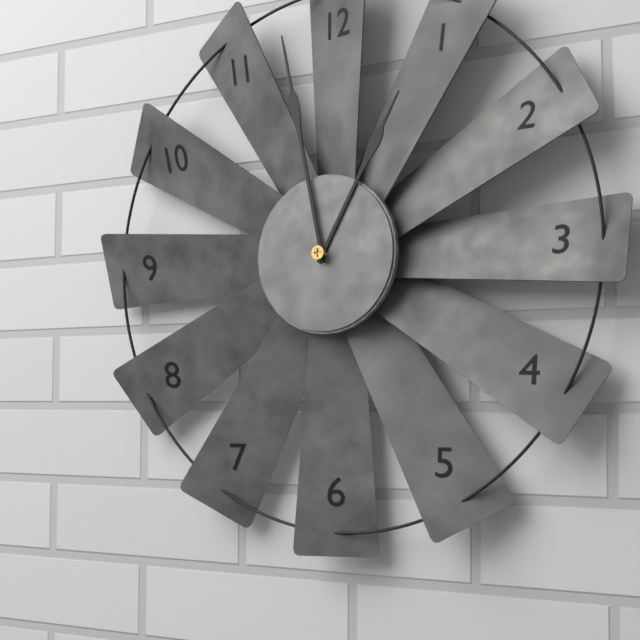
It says 12.58
